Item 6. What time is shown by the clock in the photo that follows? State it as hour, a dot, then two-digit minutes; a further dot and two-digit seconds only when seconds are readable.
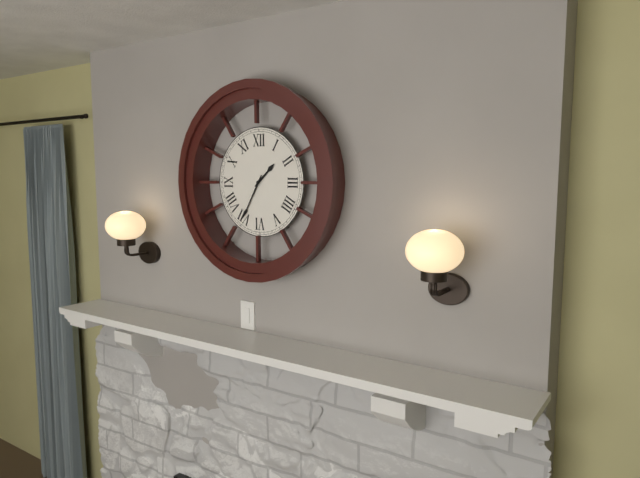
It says 1.35
